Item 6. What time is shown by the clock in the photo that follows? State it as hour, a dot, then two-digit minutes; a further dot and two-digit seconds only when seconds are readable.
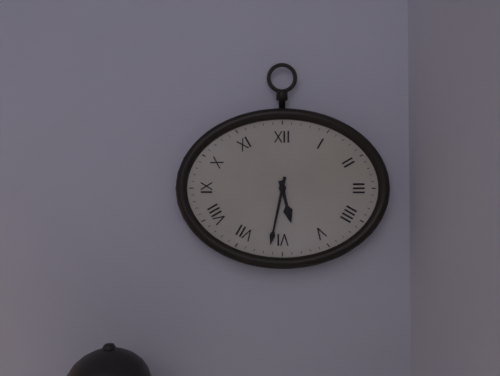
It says 5.32
